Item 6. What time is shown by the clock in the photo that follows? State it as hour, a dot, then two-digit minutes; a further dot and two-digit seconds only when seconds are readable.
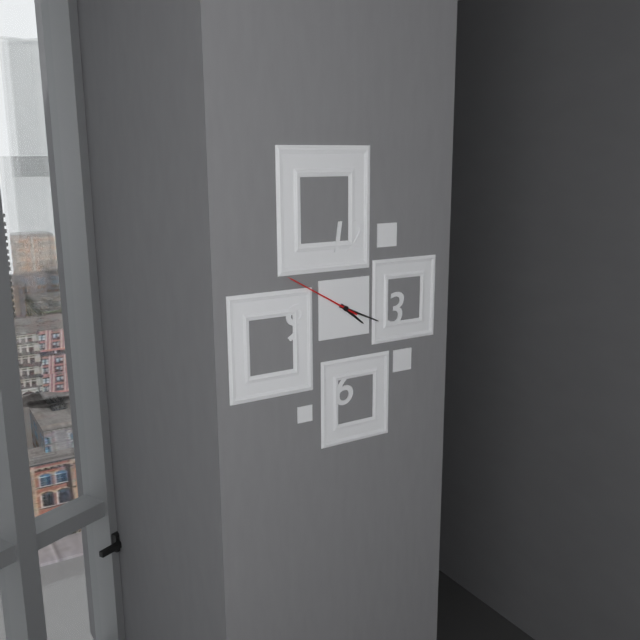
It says 4.19.50
